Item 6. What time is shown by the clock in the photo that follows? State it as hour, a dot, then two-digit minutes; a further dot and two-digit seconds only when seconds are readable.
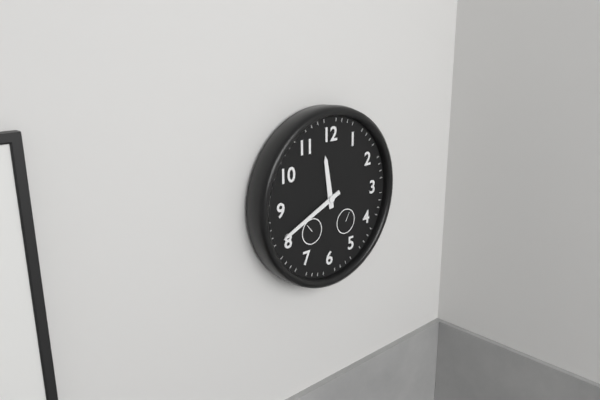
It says 11.41
